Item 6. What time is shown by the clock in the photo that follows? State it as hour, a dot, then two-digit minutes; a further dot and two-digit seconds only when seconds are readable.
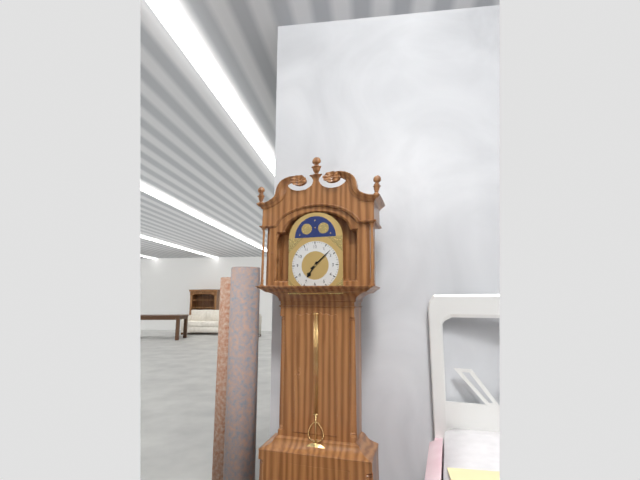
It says 7.08
